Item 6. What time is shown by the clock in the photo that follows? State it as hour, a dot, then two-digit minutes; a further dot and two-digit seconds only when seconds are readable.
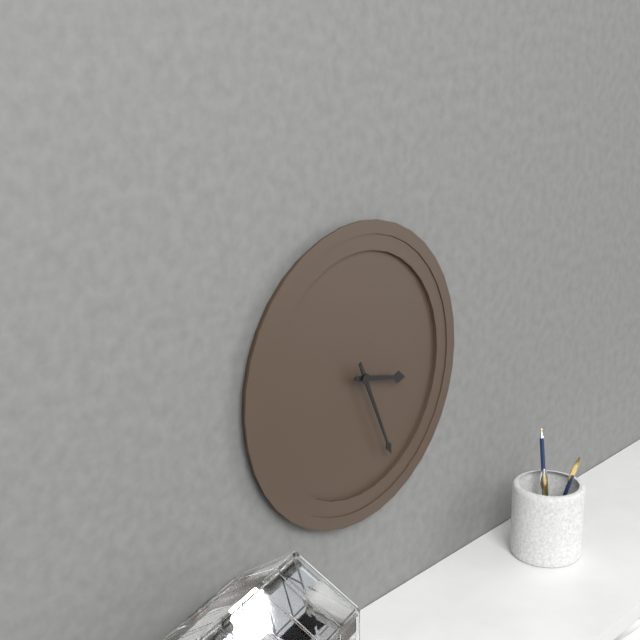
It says 3.26
